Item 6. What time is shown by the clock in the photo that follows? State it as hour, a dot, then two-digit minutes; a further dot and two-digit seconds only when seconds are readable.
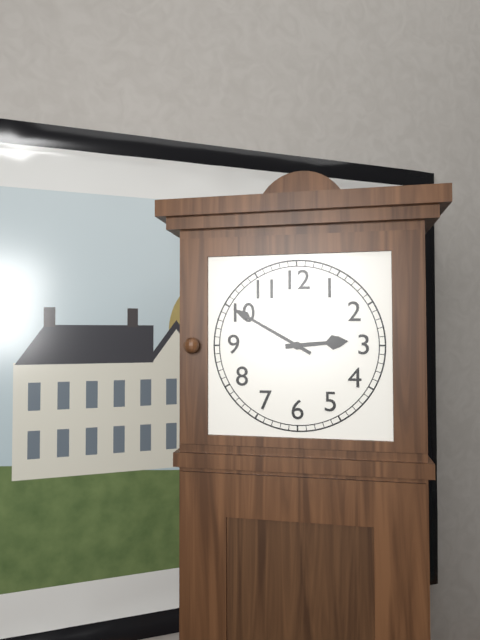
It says 2.50
